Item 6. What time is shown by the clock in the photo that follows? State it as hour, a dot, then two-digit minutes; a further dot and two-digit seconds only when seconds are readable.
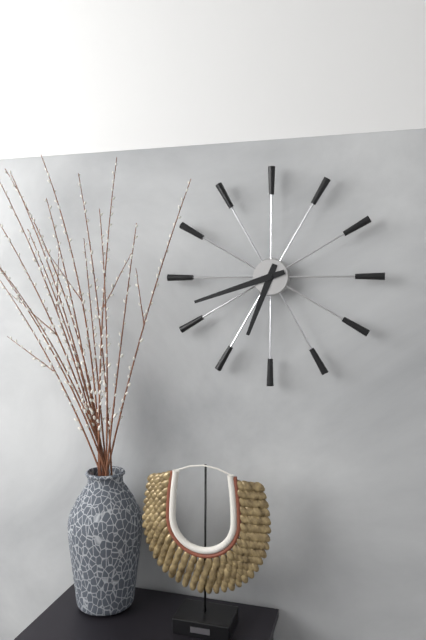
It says 6.42
